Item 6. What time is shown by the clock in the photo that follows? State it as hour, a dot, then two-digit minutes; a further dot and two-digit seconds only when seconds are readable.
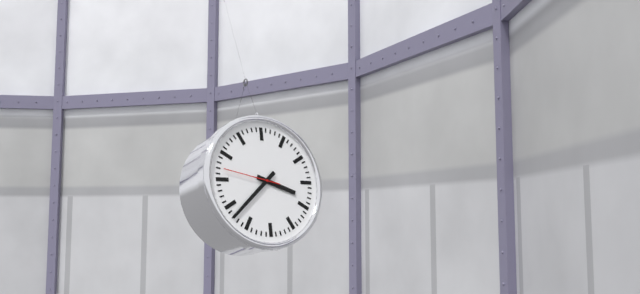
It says 3.38.47
